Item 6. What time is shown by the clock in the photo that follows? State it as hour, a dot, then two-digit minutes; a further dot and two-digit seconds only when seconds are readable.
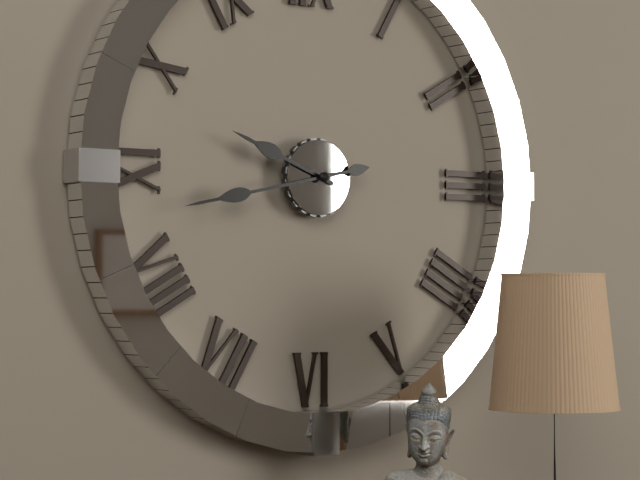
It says 9.43
